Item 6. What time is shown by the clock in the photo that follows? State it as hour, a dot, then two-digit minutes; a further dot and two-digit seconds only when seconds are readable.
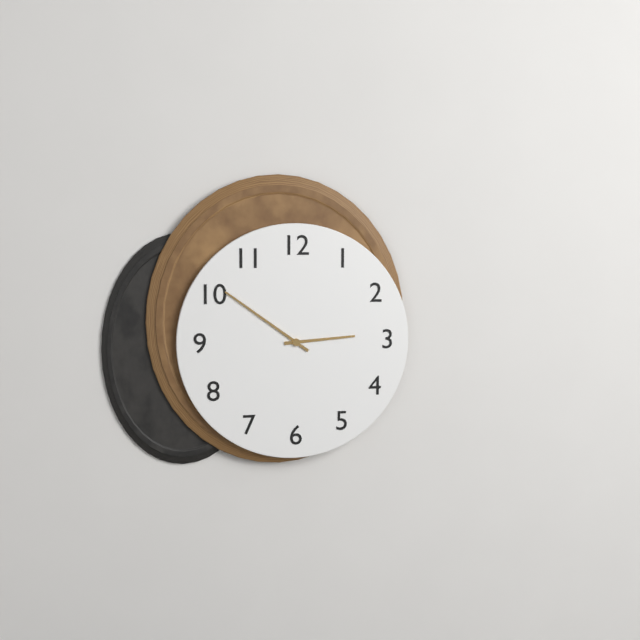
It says 2.51
